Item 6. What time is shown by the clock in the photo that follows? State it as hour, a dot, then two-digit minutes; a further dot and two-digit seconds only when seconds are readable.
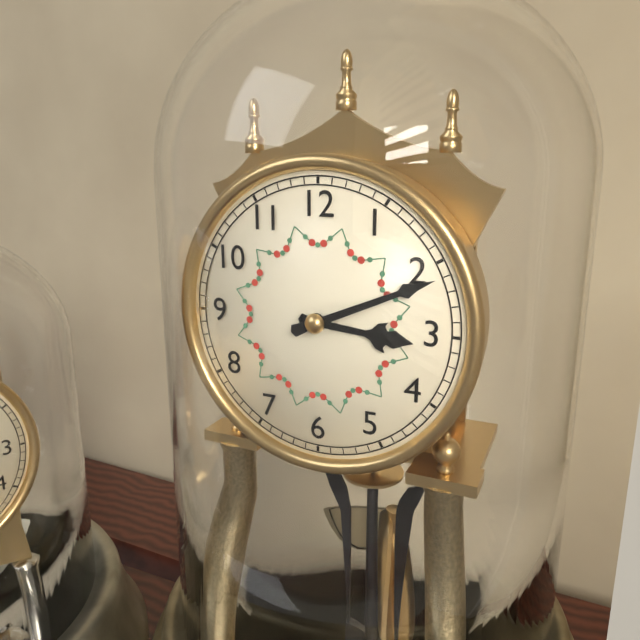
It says 3.11
